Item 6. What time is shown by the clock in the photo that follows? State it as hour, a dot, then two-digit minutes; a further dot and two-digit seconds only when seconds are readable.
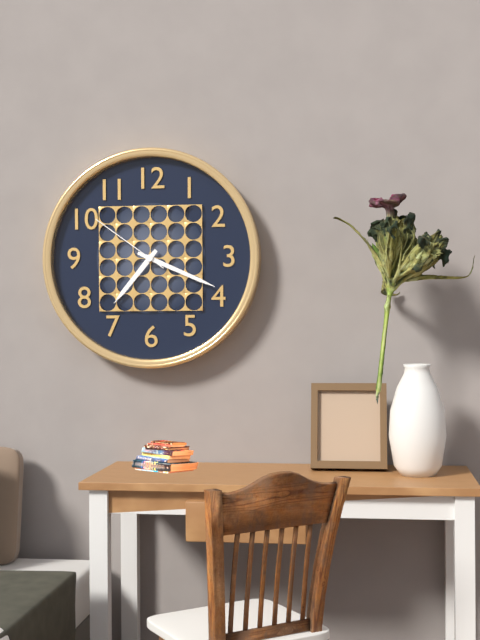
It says 7.19.51
